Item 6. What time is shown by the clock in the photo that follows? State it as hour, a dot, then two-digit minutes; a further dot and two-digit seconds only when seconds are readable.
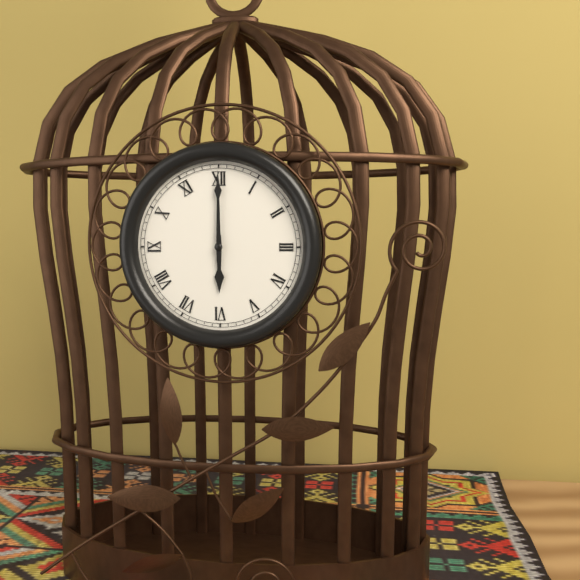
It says 6.00
